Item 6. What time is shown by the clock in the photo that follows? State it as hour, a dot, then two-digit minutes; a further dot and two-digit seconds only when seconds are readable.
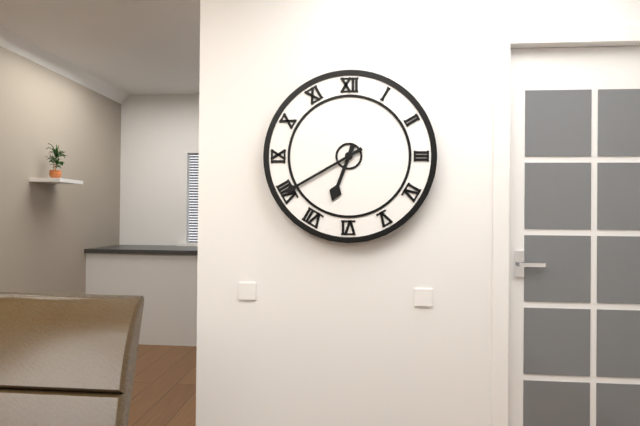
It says 6.40
